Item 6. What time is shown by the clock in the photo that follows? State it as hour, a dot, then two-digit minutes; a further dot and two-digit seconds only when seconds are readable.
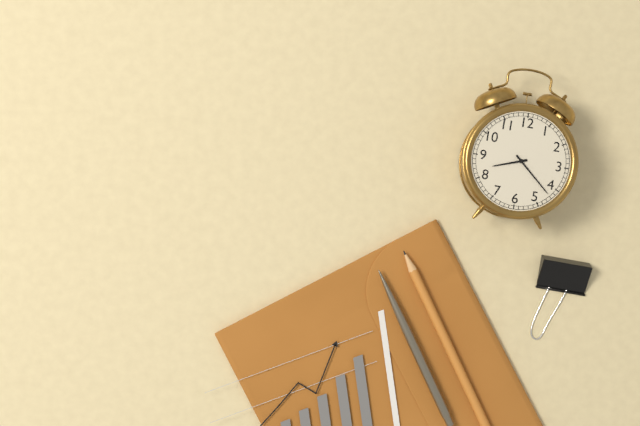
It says 8.22
